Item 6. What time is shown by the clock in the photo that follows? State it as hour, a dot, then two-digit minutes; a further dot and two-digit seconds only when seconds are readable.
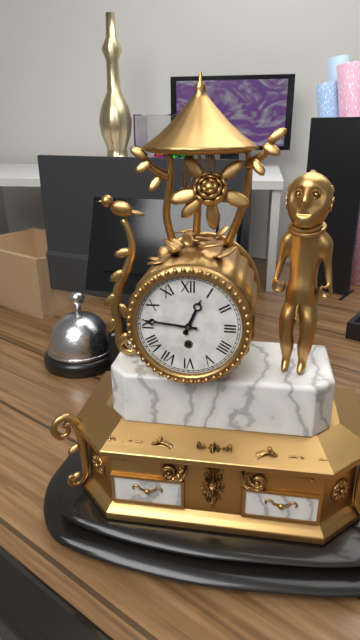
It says 12.46
